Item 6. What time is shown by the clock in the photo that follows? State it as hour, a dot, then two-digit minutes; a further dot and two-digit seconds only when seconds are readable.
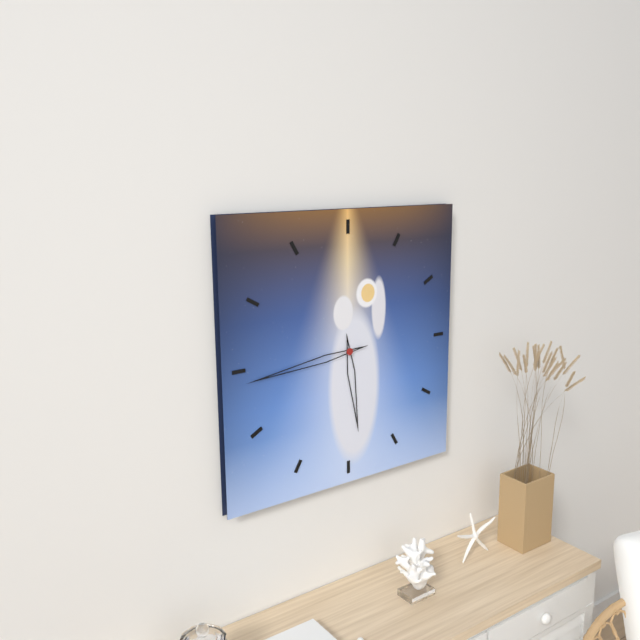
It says 5.44
